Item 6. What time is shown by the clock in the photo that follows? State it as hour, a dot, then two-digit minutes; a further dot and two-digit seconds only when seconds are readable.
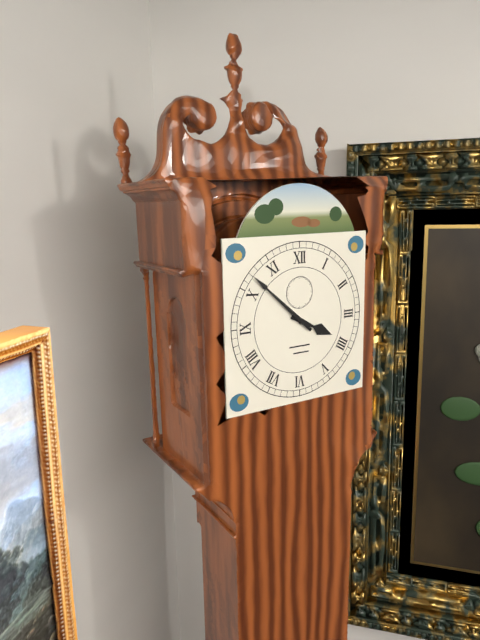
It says 3.52
